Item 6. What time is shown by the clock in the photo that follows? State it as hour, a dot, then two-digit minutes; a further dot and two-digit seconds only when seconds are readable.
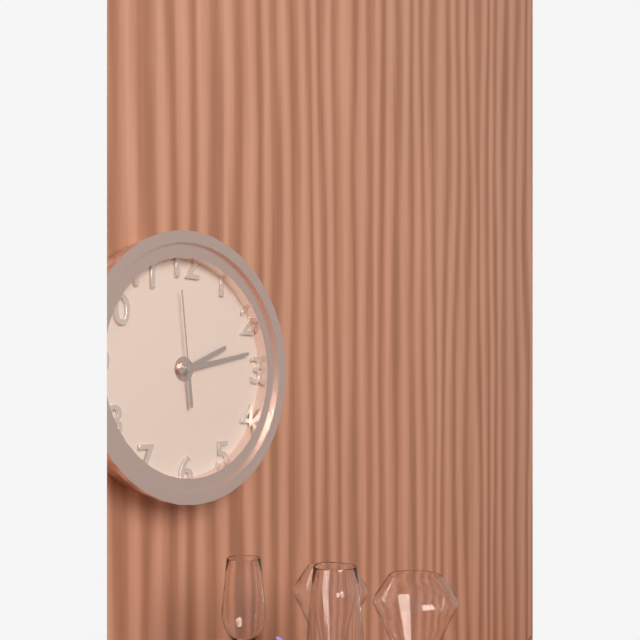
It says 2.13.59
